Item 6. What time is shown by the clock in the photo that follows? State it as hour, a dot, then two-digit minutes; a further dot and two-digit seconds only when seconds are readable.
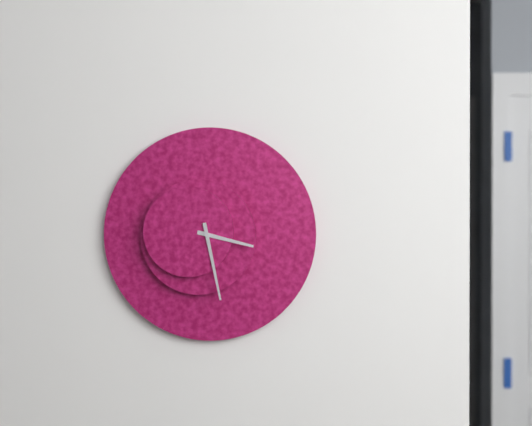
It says 3.28
